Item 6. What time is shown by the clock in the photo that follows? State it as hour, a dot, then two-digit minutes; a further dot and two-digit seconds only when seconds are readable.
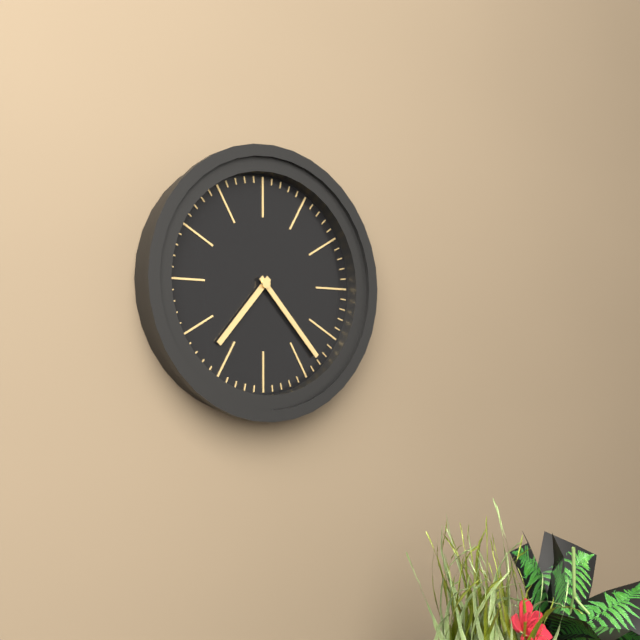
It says 7.23
